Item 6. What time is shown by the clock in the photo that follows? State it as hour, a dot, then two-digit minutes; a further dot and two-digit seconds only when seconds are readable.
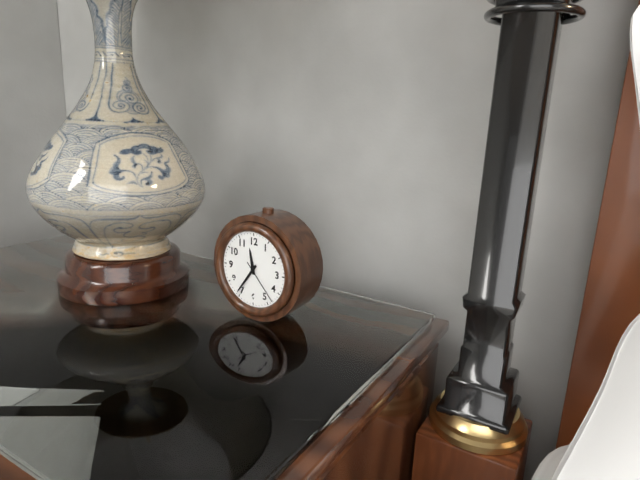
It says 11.36
